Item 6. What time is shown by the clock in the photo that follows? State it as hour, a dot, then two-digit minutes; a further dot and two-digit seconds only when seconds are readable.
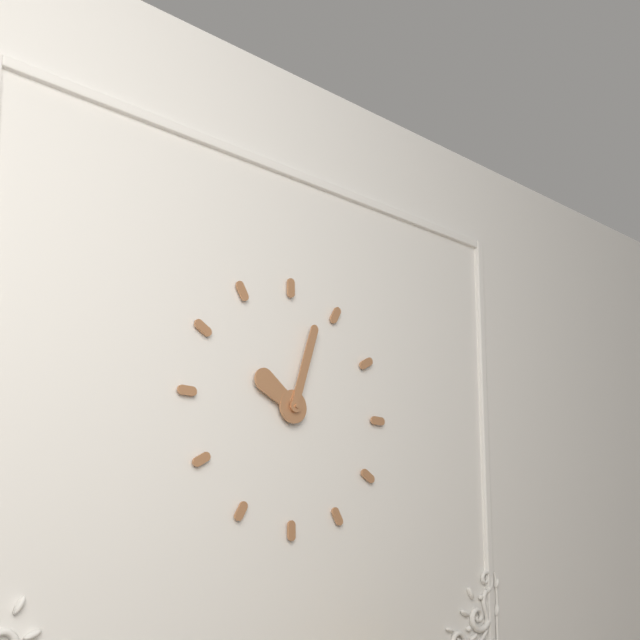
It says 10.03
